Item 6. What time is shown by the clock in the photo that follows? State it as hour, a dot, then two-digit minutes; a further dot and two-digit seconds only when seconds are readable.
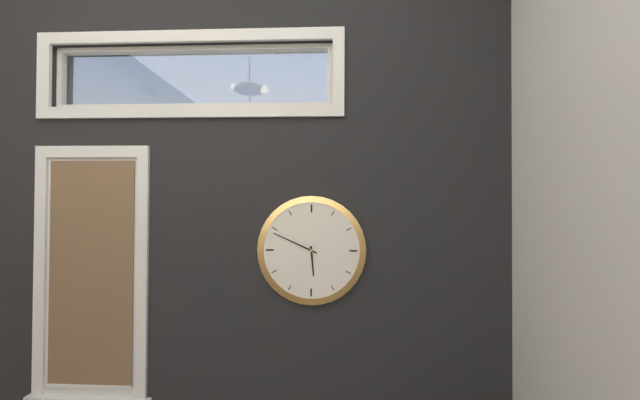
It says 5.49
